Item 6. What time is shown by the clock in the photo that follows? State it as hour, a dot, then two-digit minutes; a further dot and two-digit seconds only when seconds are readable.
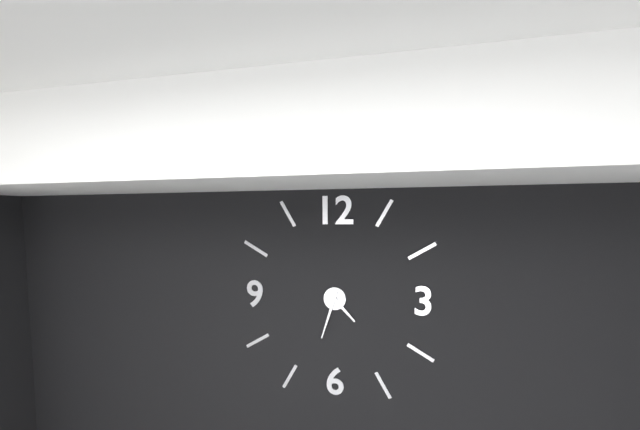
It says 4.33
